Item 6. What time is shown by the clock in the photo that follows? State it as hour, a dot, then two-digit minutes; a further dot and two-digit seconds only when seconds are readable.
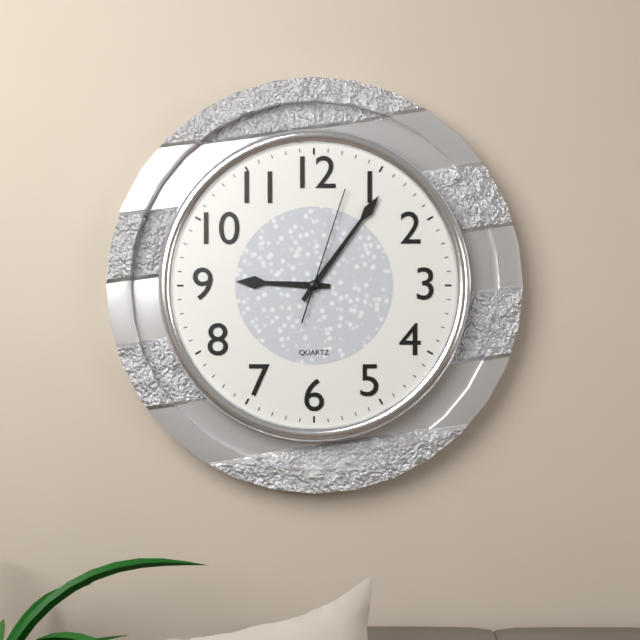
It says 9.06.03
